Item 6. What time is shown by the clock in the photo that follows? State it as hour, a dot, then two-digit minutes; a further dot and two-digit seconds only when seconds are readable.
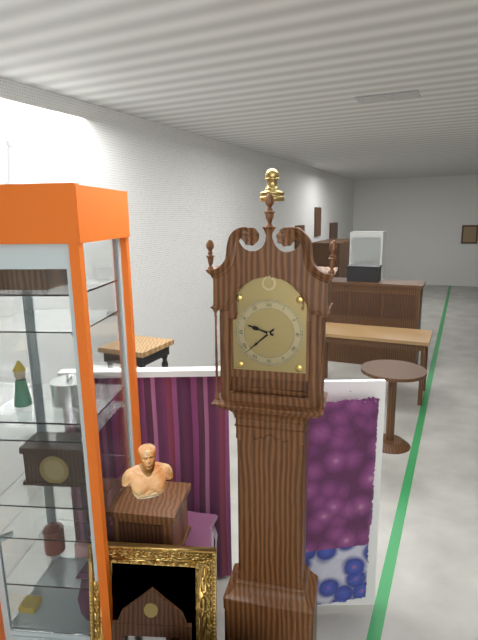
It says 9.38
